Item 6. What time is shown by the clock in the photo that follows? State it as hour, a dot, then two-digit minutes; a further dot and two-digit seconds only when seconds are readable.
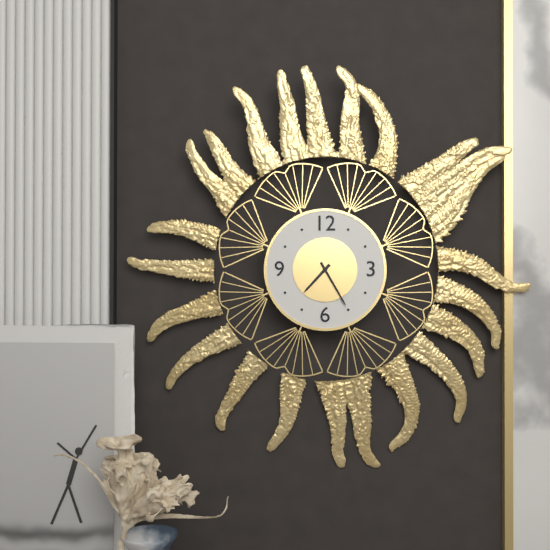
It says 7.25
